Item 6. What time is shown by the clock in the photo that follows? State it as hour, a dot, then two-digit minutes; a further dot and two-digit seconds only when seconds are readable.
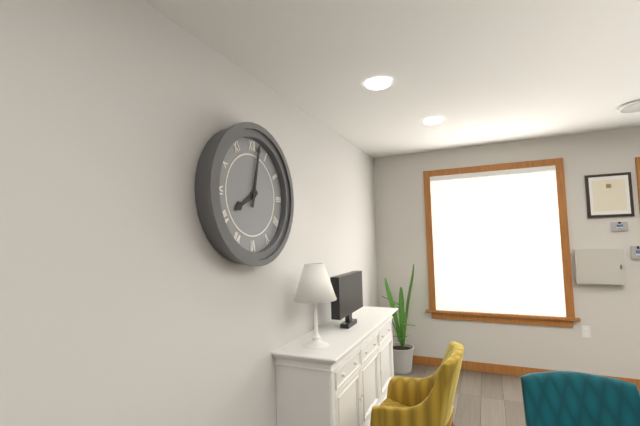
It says 8.02
